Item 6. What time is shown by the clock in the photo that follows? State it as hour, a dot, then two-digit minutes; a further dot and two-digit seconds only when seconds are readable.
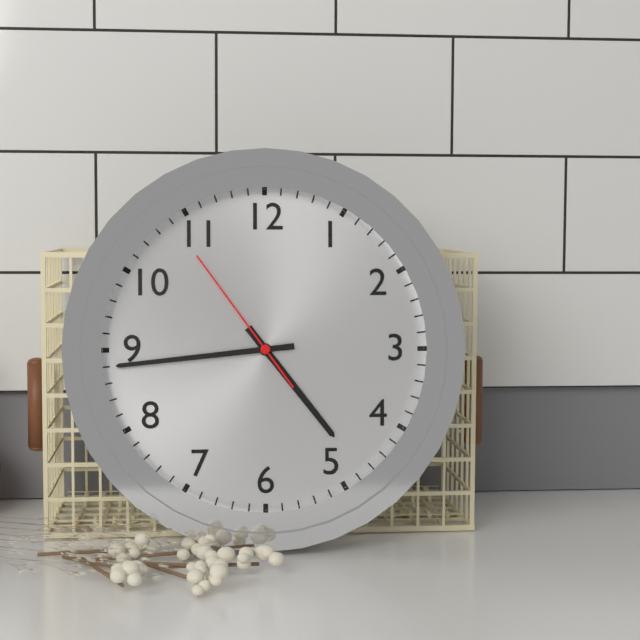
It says 4.44.54
